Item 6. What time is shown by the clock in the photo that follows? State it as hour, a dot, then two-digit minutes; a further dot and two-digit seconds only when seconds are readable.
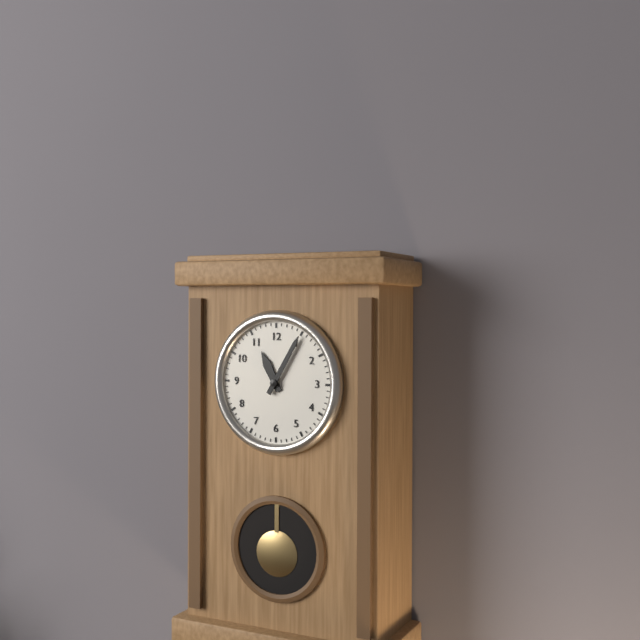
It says 11.05
